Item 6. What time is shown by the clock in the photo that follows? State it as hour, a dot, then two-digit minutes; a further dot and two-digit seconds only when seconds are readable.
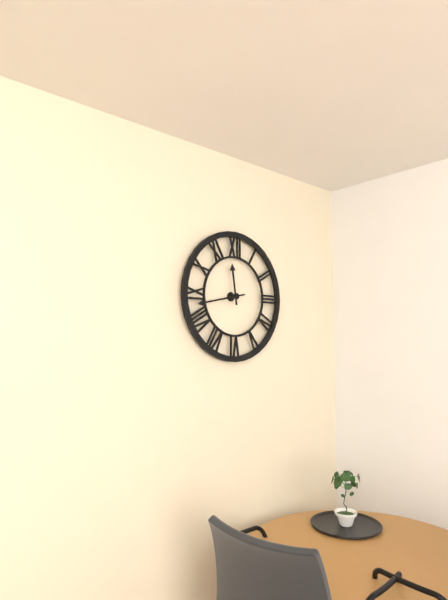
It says 11.43
